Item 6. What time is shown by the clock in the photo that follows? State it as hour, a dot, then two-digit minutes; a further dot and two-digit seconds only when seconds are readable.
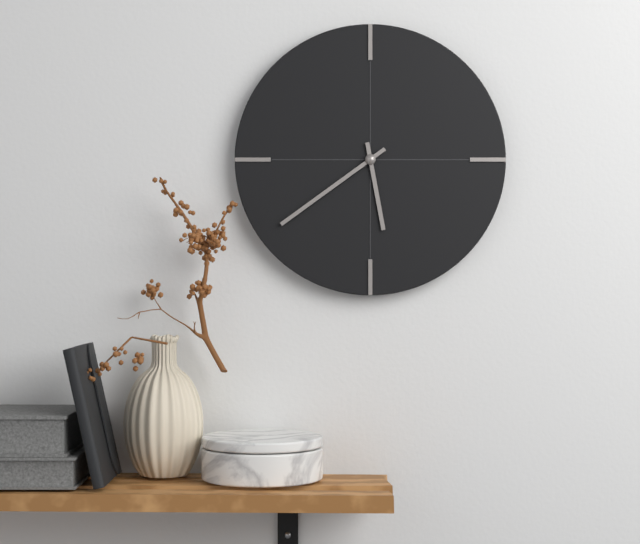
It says 5.39
